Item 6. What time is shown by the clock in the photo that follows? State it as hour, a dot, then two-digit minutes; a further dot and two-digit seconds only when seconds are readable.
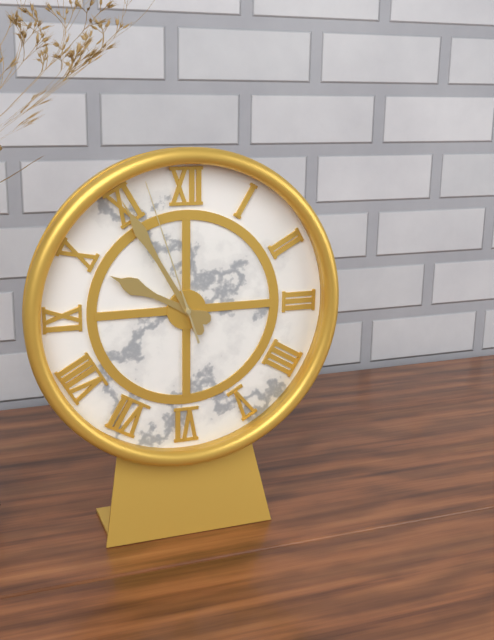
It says 9.55.57
